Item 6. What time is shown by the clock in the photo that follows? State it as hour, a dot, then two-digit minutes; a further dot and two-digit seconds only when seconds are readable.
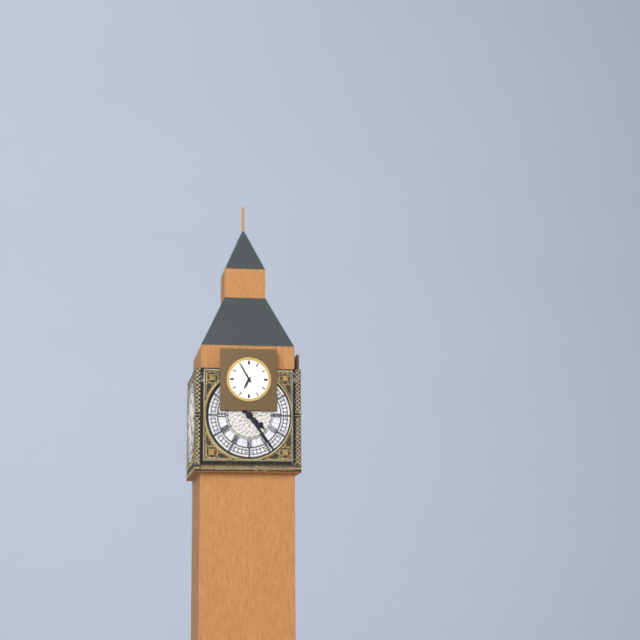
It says 6.55
